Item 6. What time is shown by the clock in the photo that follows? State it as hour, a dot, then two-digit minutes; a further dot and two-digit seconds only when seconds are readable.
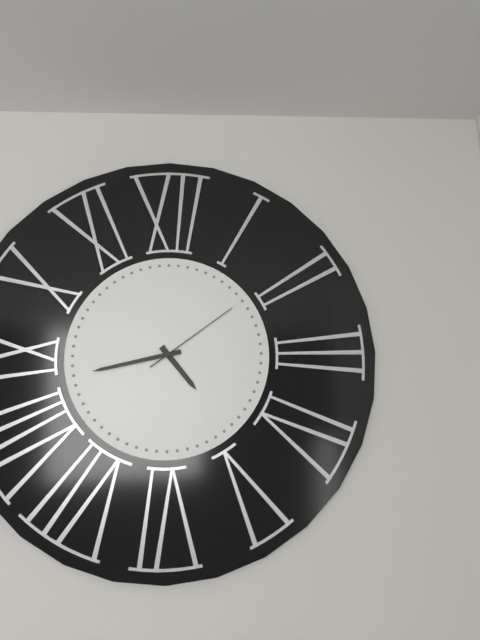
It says 4.43.09
